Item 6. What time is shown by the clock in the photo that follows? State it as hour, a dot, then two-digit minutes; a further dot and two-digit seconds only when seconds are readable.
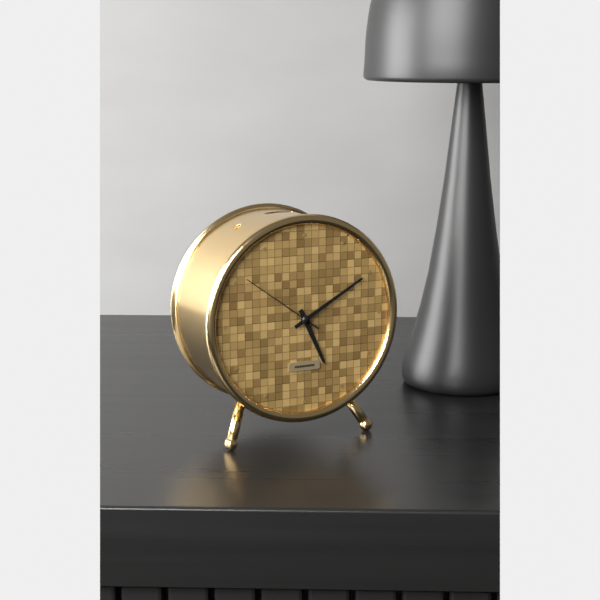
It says 5.10.51
